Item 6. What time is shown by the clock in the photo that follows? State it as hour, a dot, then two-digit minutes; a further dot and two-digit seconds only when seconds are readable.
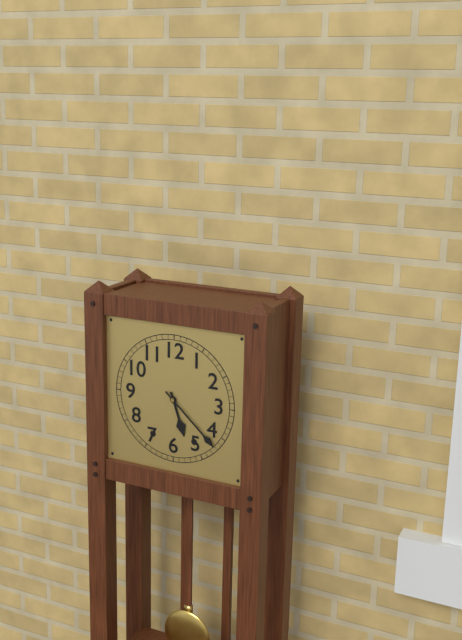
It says 5.22
